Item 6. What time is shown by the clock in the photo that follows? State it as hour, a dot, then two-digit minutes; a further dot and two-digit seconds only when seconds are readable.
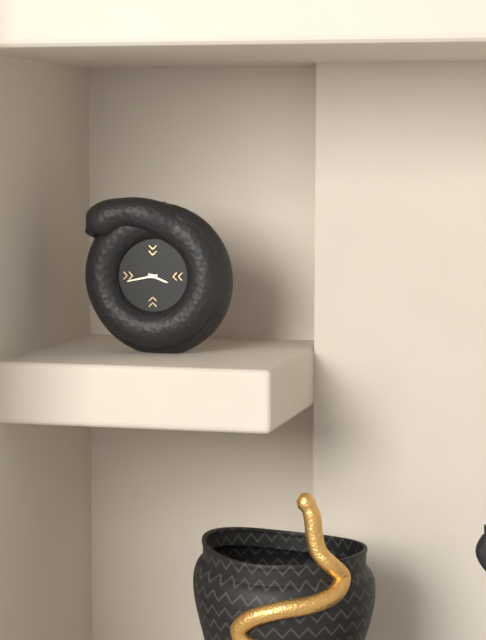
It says 3.43
